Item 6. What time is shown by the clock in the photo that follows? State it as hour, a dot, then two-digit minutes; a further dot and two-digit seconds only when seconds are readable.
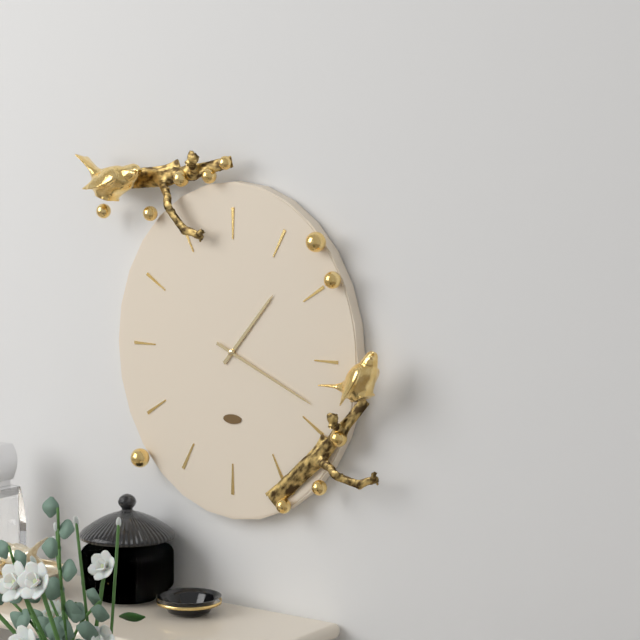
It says 1.19
